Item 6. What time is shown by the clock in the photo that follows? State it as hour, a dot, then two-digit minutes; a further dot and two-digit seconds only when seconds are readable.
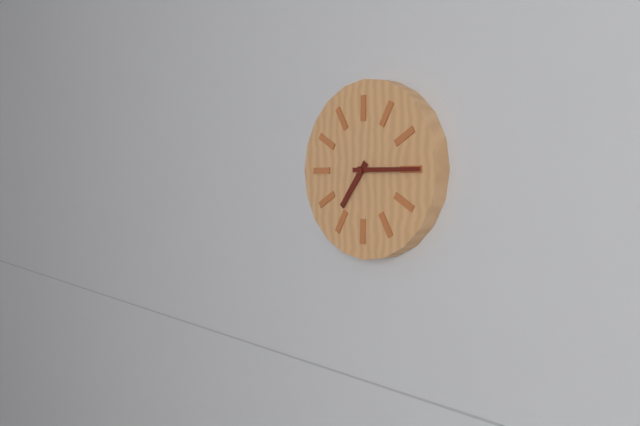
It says 7.15
